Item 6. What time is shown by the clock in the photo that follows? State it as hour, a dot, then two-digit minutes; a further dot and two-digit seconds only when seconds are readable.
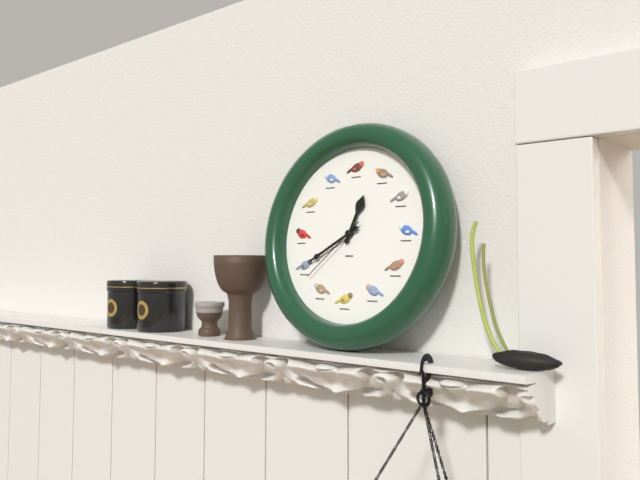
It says 12.40.38
